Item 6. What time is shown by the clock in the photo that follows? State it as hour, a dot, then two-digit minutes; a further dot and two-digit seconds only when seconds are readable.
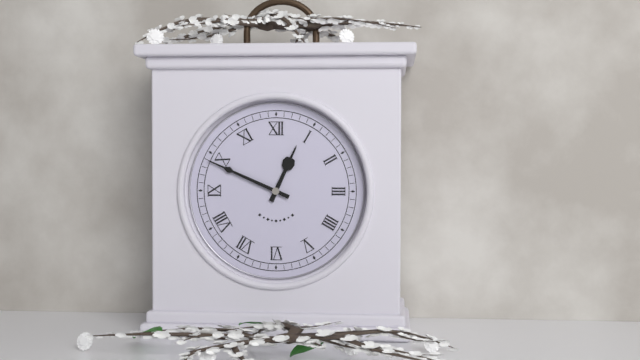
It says 12.49
